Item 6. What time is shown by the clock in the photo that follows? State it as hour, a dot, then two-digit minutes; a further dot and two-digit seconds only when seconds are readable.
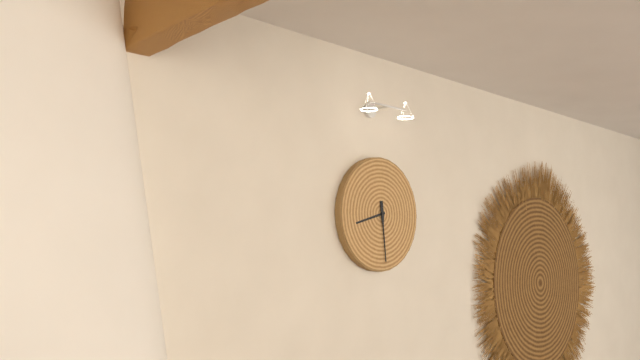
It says 8.29
